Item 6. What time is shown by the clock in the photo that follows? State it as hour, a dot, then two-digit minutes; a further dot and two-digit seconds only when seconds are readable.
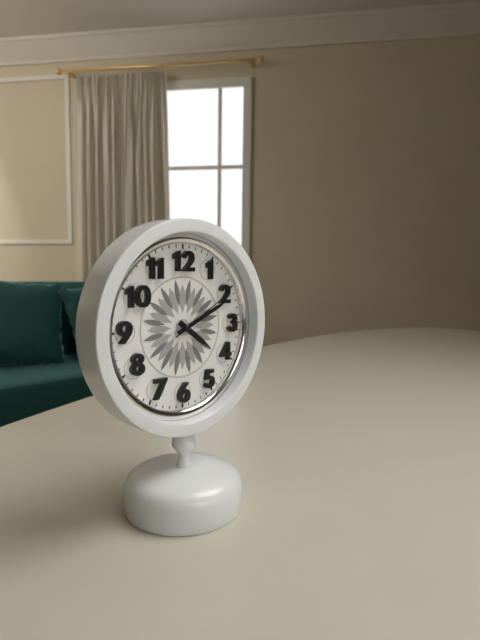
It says 4.11.10
